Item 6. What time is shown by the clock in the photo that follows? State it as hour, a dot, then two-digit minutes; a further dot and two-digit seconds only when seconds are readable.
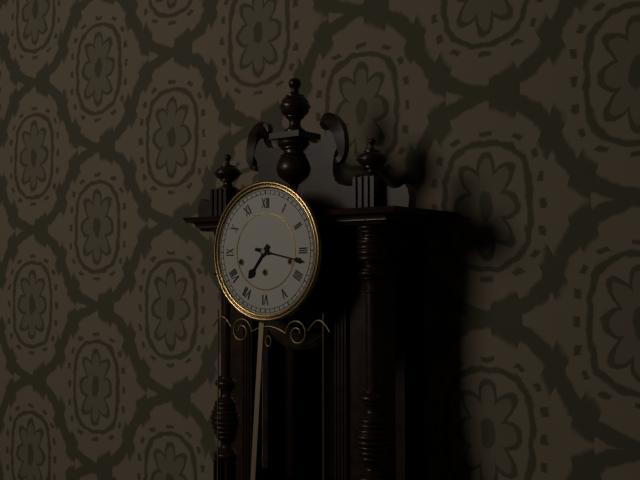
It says 7.17
